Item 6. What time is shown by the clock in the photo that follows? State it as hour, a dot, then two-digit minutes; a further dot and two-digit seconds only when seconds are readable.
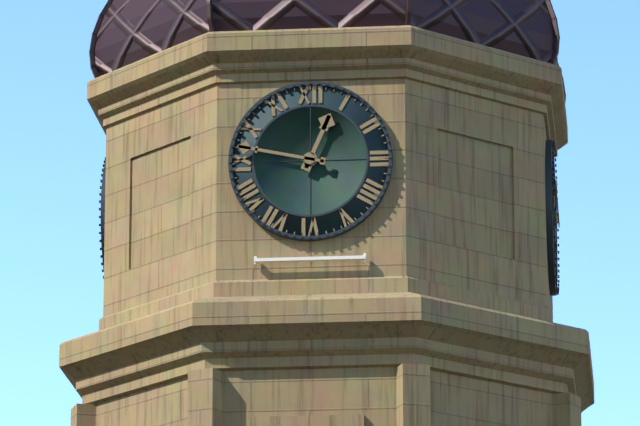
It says 12.47
